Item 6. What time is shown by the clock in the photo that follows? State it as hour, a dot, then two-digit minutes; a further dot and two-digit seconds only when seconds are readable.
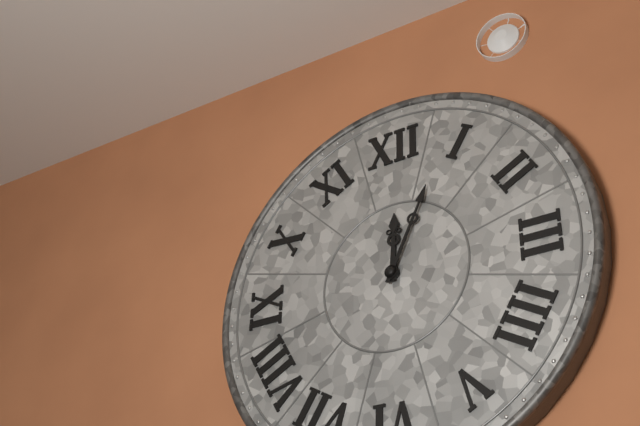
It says 12.04
